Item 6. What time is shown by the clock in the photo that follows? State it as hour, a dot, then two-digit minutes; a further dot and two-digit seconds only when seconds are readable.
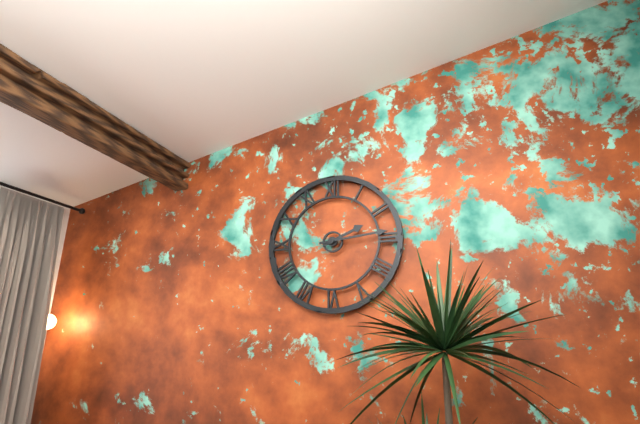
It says 2.14
